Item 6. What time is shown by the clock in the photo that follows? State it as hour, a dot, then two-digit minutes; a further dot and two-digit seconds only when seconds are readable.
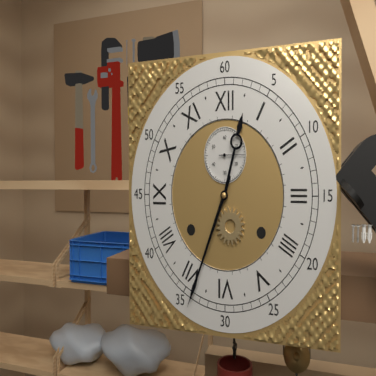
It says 12.34
